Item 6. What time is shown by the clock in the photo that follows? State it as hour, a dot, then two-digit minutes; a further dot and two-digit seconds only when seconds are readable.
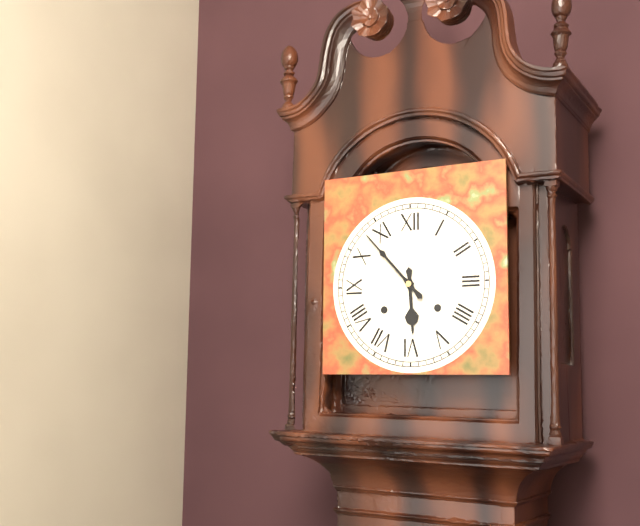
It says 5.53
